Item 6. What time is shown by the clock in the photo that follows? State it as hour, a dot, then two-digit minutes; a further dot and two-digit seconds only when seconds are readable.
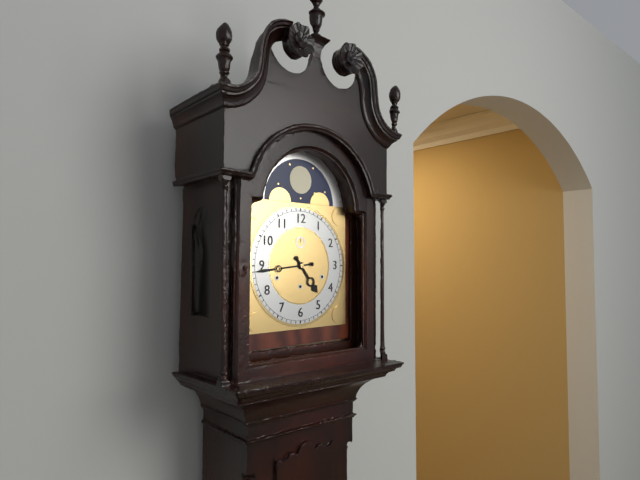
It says 4.44
